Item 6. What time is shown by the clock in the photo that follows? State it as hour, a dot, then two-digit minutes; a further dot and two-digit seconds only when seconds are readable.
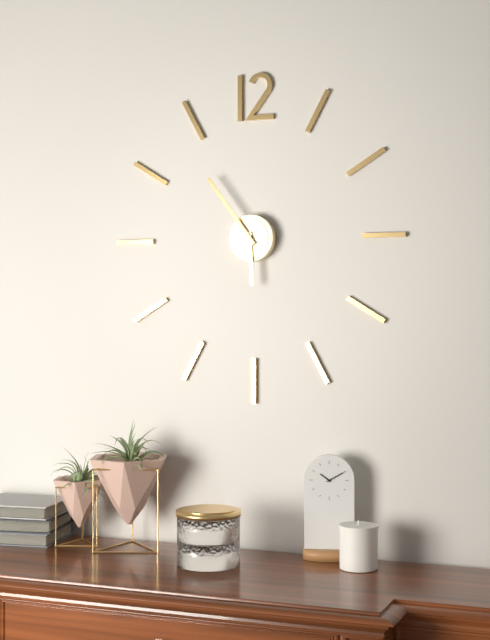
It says 5.54
